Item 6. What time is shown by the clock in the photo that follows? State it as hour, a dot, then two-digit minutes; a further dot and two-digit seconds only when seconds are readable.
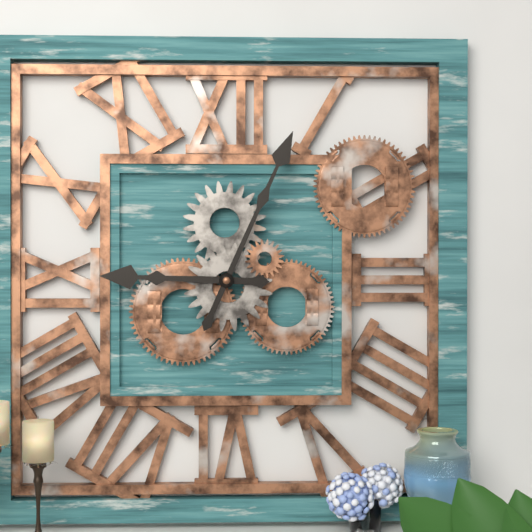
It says 9.04
